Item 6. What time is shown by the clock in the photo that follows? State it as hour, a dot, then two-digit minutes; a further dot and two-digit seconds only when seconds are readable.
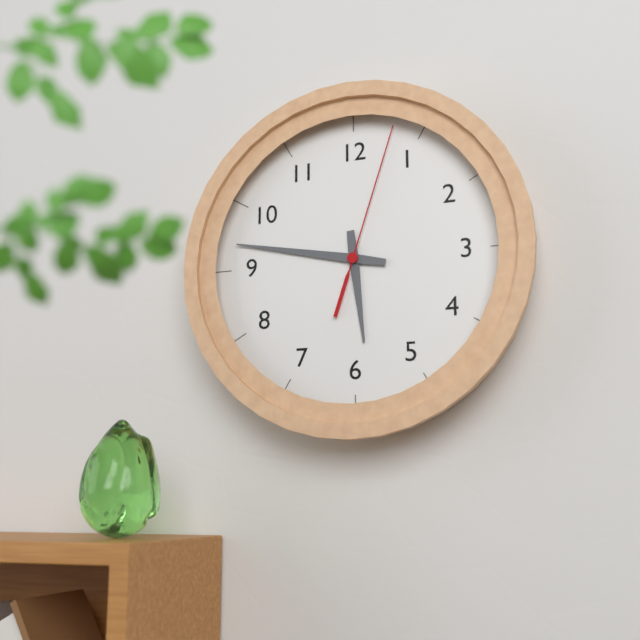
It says 5.47.03
